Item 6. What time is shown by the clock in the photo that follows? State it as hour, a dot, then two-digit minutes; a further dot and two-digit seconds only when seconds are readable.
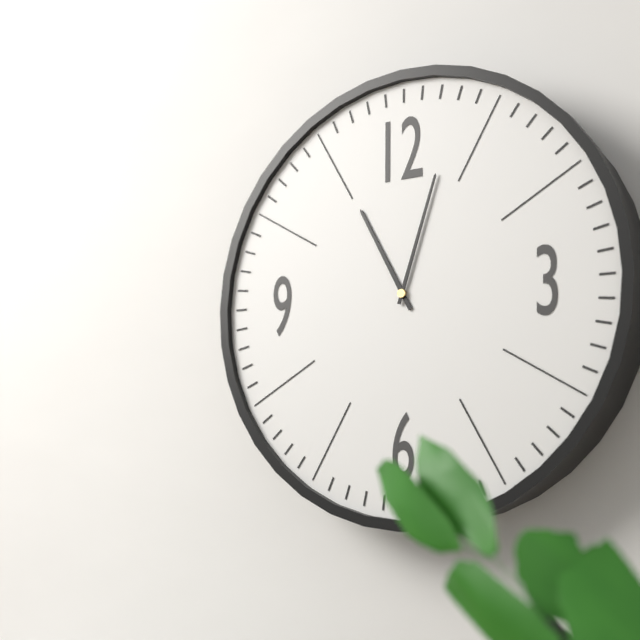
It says 11.03
